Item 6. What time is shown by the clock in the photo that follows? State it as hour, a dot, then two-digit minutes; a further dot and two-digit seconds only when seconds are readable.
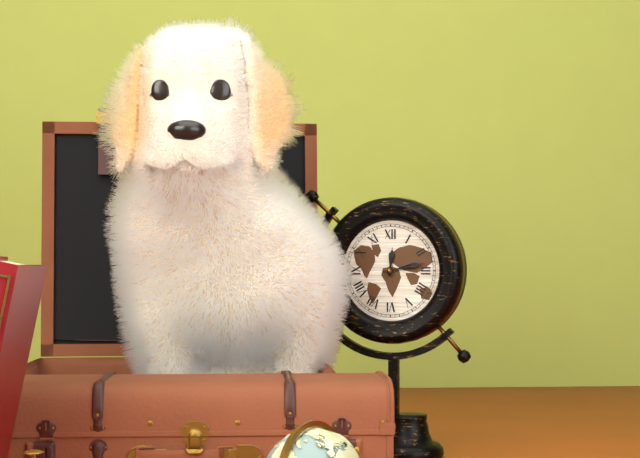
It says 12.13
